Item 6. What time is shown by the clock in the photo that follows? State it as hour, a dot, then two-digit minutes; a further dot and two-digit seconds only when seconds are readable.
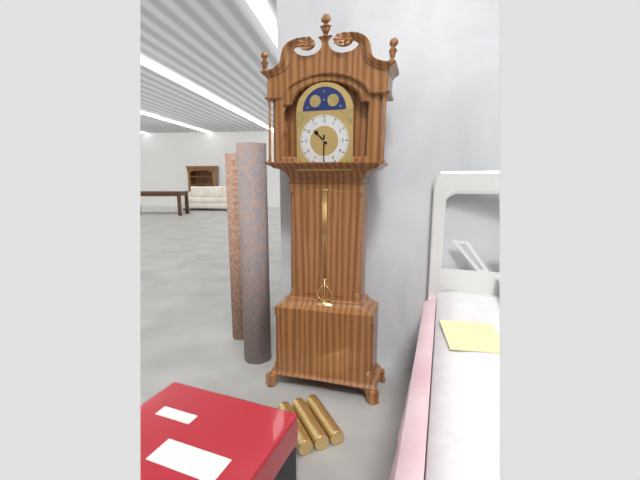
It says 10.30
